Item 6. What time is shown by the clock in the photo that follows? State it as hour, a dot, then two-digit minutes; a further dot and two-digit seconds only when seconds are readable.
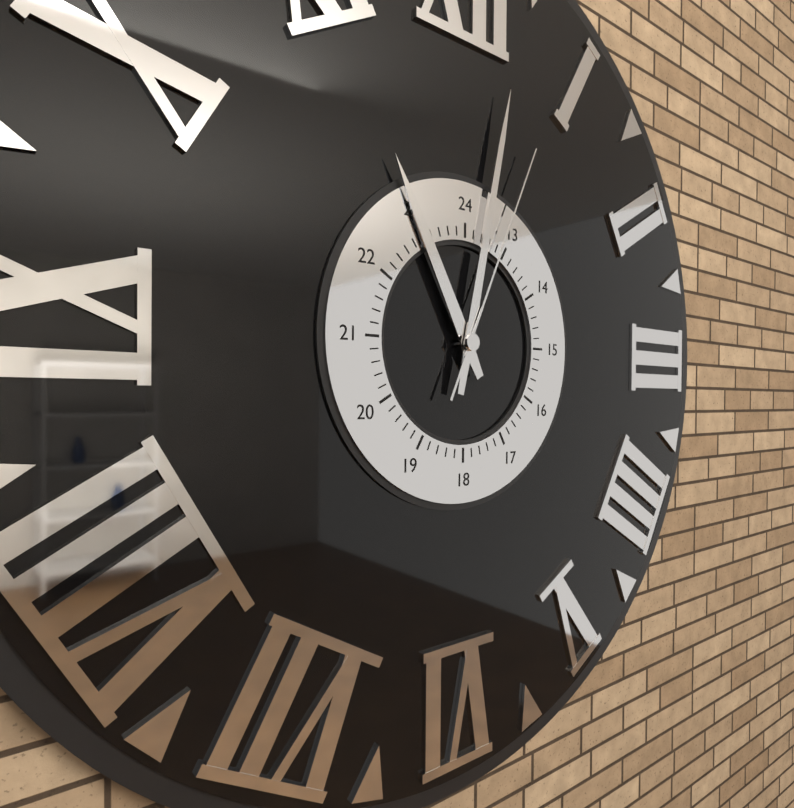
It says 11.02.04
